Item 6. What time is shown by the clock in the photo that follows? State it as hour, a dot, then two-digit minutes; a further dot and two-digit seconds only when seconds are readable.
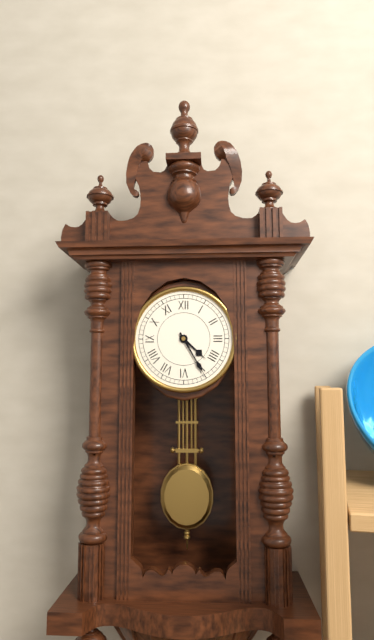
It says 4.25
